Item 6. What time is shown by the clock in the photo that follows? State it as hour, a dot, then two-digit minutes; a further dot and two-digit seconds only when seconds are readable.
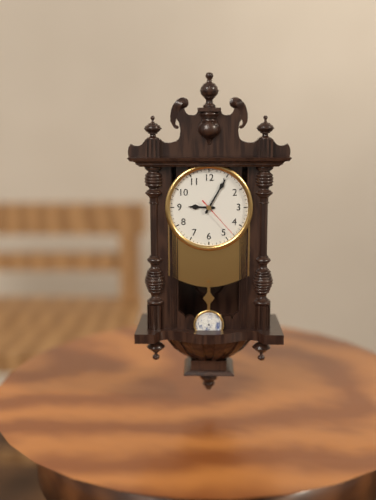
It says 9.05
